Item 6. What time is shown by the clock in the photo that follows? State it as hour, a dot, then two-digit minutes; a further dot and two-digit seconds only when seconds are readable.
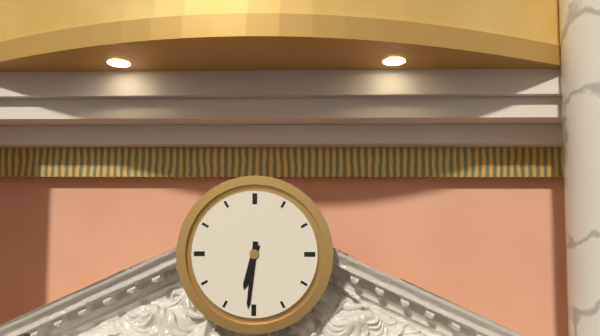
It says 6.31
